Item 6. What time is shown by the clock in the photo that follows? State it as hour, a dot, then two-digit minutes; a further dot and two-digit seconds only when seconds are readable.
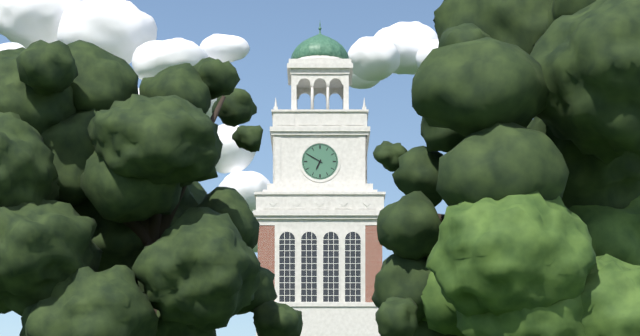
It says 6.50
